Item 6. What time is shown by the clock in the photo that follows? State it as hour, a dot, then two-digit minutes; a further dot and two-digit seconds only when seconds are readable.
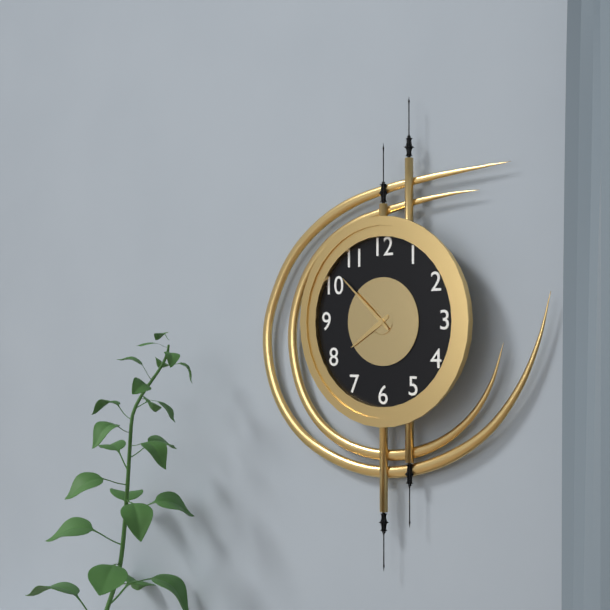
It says 7.52
